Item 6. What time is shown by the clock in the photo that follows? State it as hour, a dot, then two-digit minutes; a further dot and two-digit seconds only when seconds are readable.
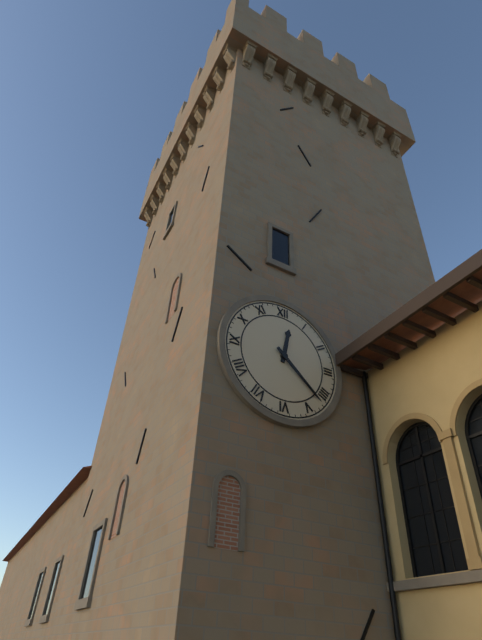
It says 12.22
